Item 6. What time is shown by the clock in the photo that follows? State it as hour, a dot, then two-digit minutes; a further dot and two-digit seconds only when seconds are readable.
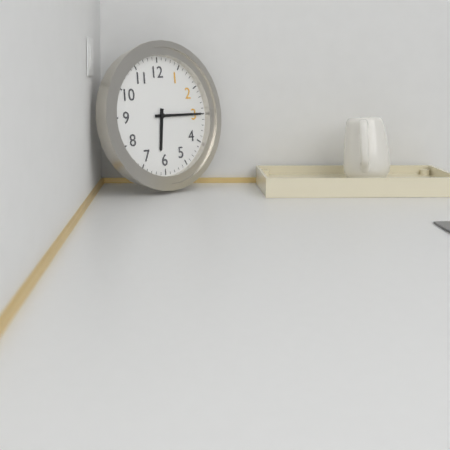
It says 6.15
